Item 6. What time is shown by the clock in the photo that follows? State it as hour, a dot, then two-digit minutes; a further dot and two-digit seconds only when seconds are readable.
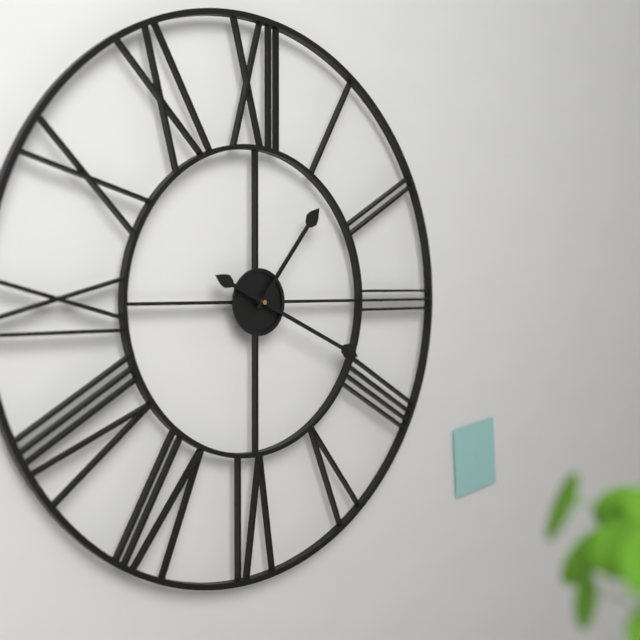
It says 1.19
